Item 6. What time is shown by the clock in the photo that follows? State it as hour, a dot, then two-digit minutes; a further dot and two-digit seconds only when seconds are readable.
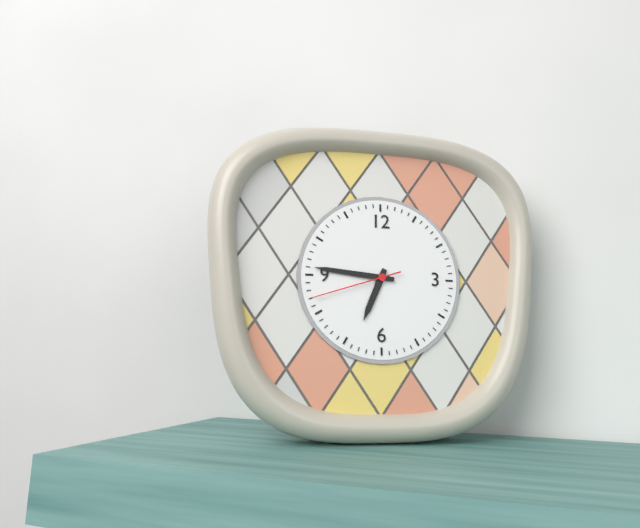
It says 6.46.42
